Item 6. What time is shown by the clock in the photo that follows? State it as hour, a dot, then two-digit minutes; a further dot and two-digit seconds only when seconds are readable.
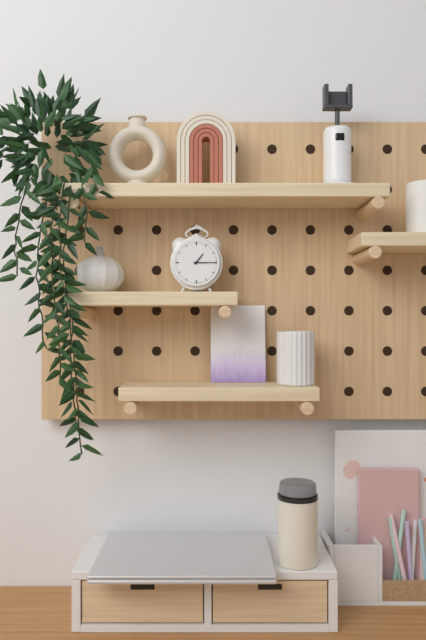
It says 1.15
